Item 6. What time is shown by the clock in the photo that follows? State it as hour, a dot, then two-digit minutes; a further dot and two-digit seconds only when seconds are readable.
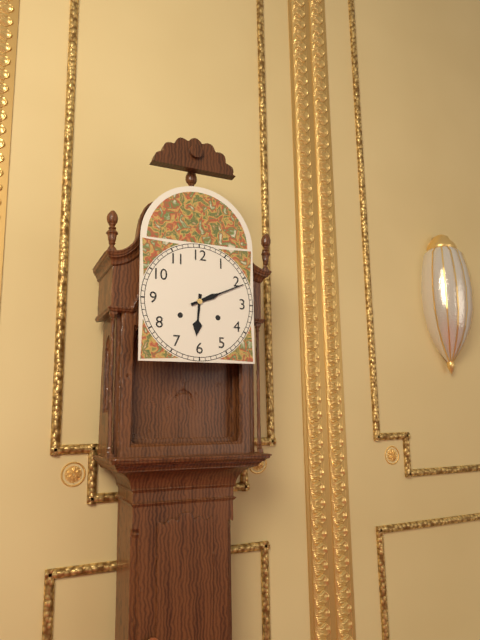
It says 6.11
